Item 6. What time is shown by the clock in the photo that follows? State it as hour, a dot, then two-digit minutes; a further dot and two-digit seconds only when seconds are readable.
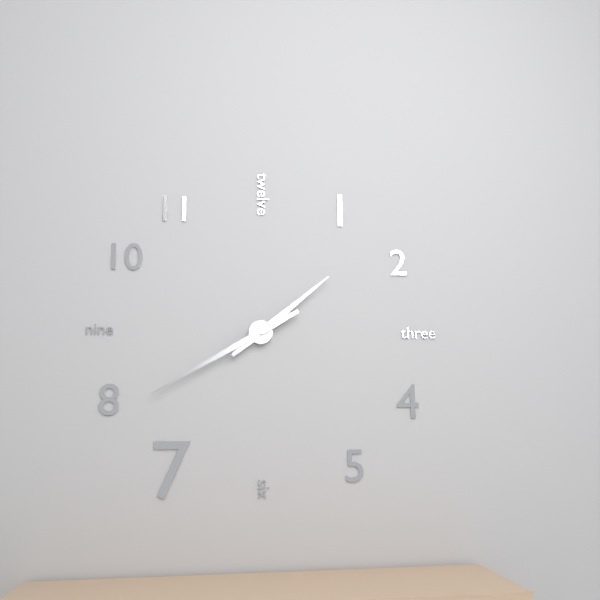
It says 1.40
